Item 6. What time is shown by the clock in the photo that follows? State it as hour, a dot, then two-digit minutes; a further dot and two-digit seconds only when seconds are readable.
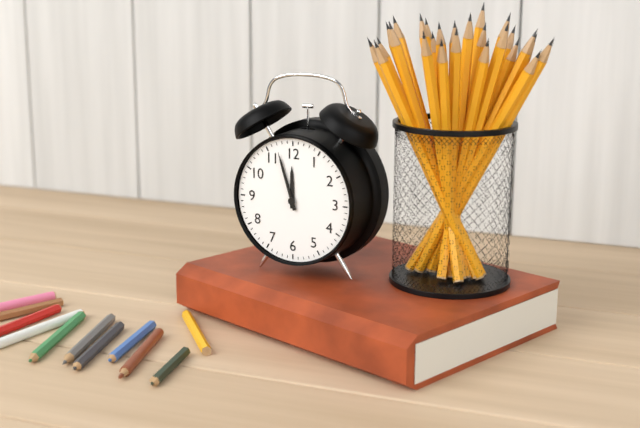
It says 11.57
